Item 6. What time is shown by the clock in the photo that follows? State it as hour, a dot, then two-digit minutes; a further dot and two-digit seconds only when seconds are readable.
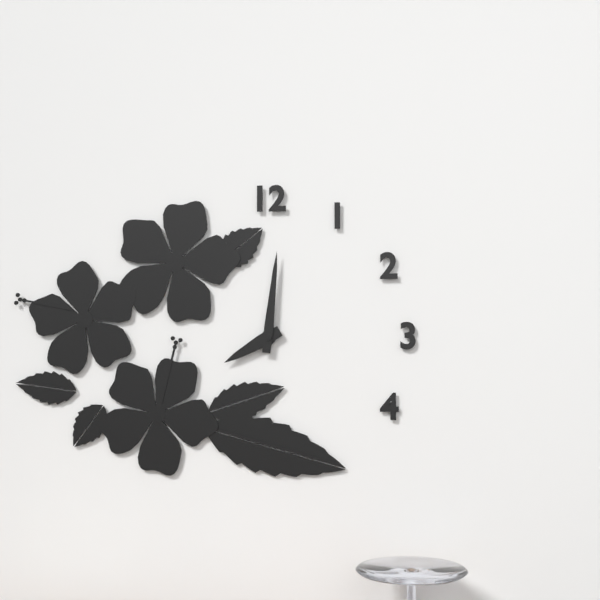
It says 8.01
